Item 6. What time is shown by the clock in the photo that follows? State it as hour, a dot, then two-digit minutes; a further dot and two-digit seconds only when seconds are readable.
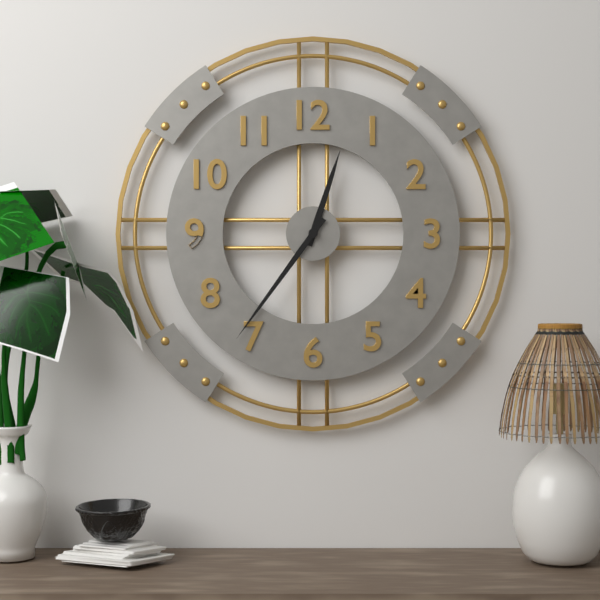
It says 12.36
